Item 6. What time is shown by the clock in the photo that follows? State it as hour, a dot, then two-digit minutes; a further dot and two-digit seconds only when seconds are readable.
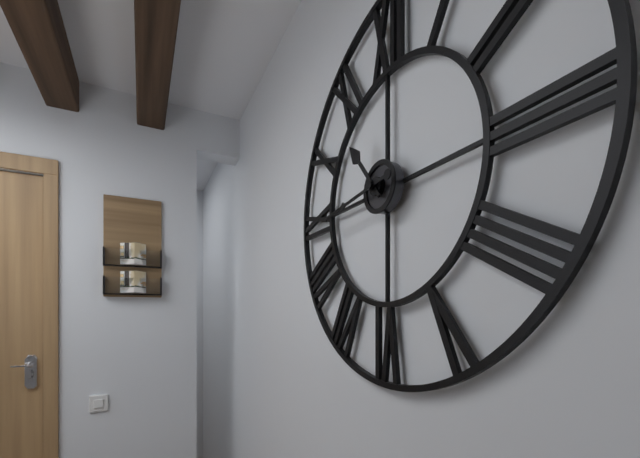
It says 10.44
